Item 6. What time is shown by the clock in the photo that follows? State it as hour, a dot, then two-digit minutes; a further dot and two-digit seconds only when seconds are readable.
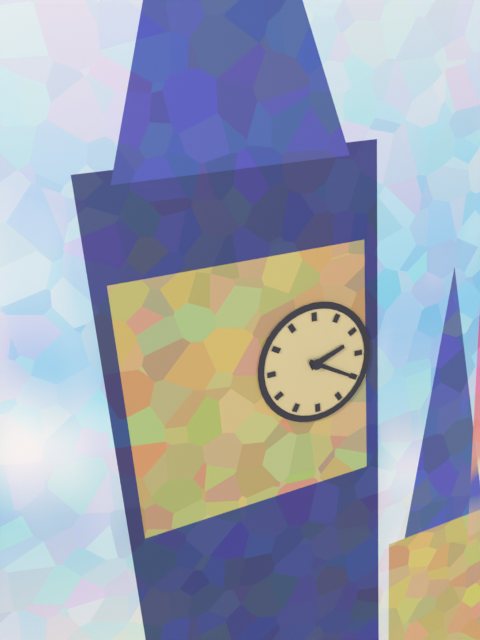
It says 2.20
